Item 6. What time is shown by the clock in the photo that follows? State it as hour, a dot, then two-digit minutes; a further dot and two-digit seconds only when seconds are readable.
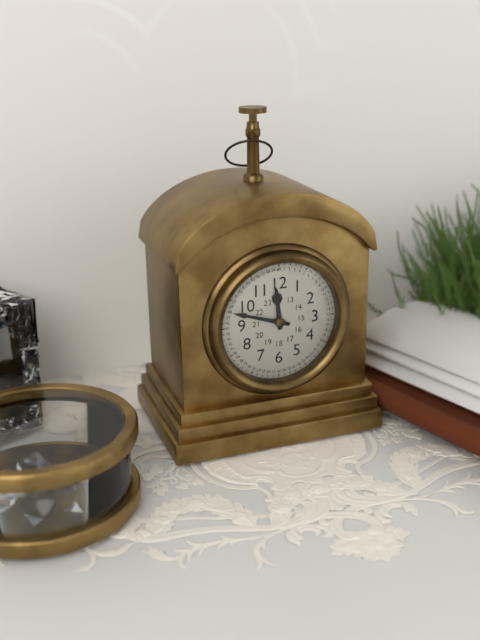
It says 11.48
